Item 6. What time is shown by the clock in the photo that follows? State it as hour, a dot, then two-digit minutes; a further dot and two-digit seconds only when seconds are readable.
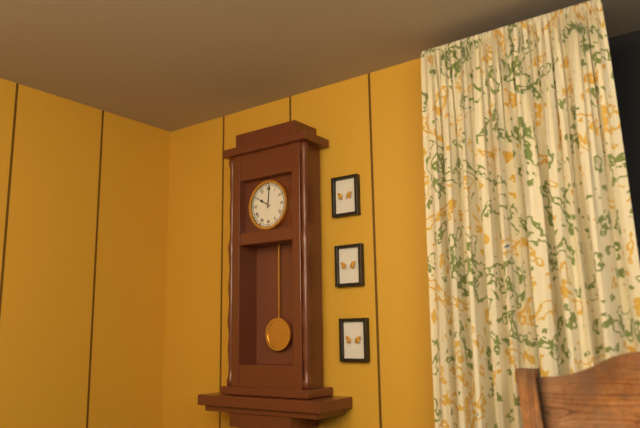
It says 10.01
